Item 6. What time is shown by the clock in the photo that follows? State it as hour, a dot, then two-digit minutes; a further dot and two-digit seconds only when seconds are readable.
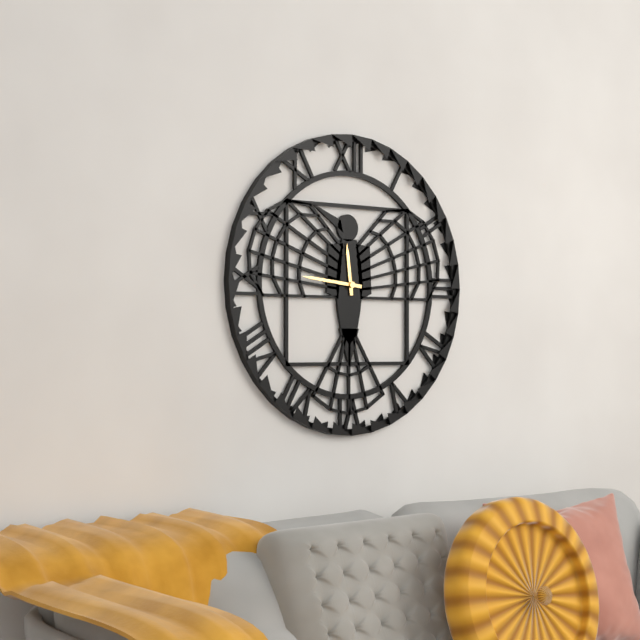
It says 11.46
